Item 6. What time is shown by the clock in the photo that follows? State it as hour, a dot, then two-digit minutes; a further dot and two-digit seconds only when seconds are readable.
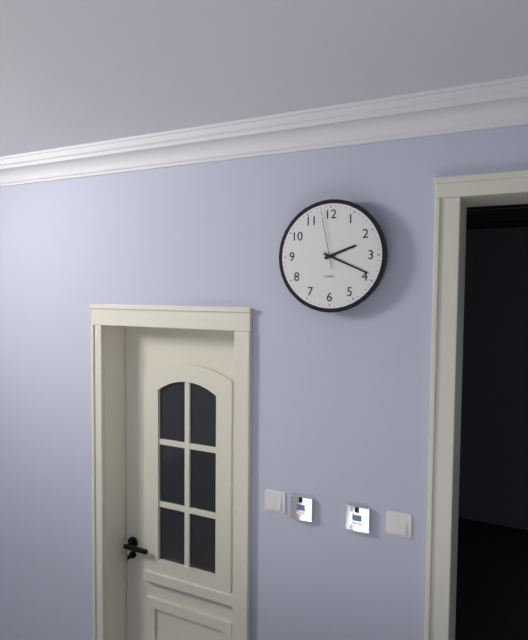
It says 2.19.58
